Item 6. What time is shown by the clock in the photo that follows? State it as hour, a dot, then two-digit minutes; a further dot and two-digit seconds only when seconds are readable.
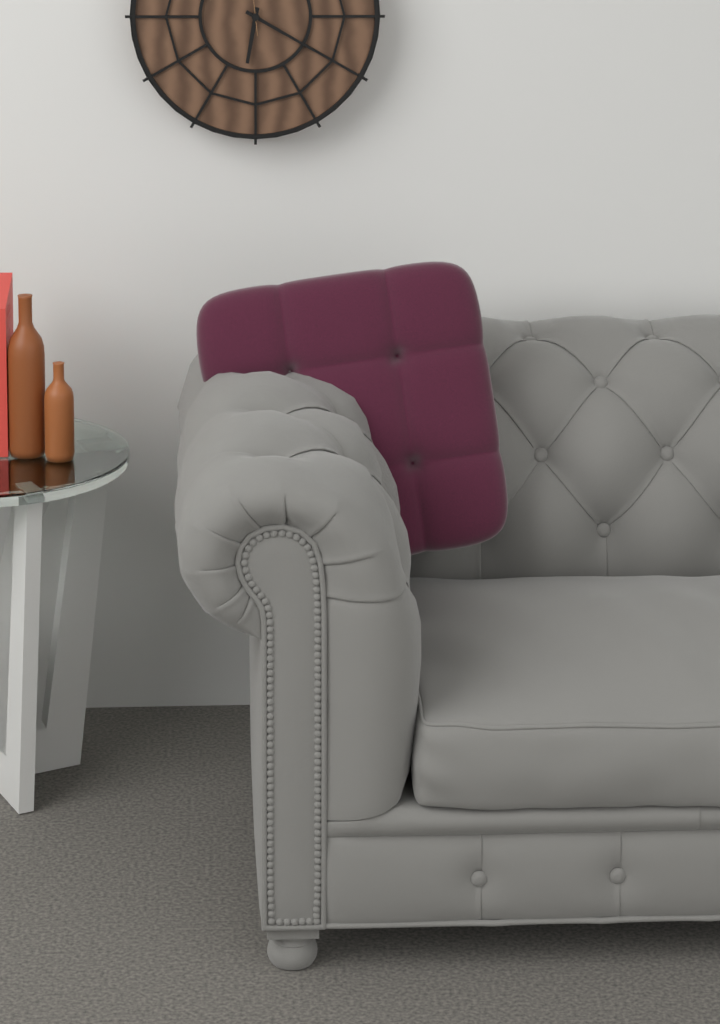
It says 6.20
